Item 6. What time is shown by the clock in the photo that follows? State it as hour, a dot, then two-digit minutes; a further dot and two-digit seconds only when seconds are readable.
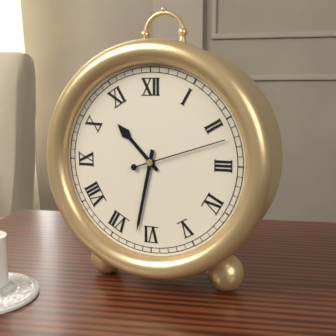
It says 10.32.12
